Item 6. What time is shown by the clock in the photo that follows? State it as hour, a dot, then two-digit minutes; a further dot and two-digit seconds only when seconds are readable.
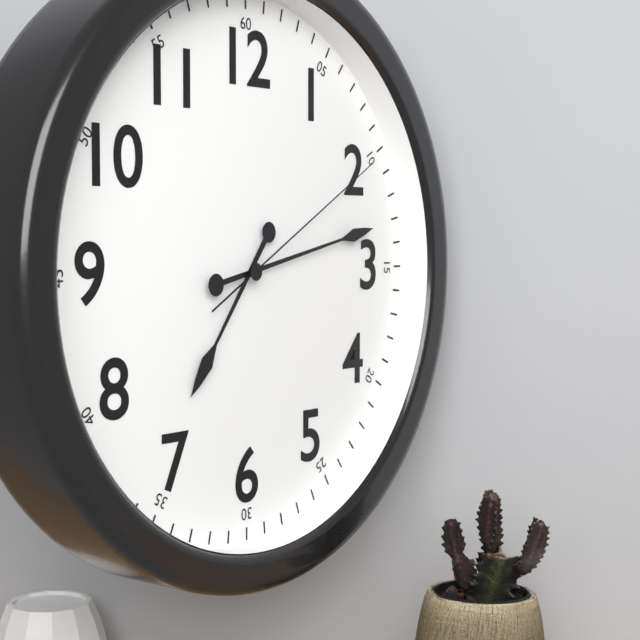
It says 7.13.10
